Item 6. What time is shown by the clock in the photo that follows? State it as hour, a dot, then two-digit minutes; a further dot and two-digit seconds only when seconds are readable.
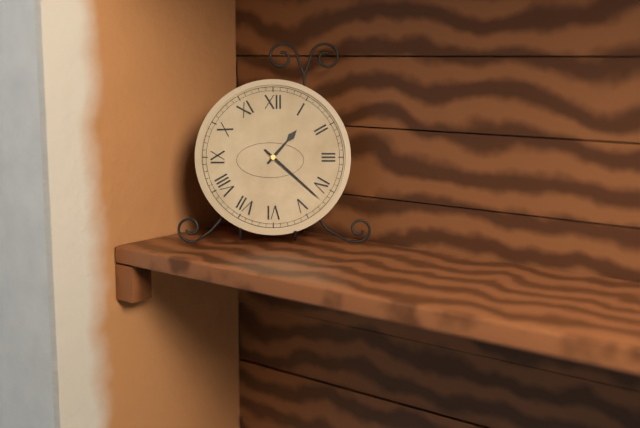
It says 1.22
